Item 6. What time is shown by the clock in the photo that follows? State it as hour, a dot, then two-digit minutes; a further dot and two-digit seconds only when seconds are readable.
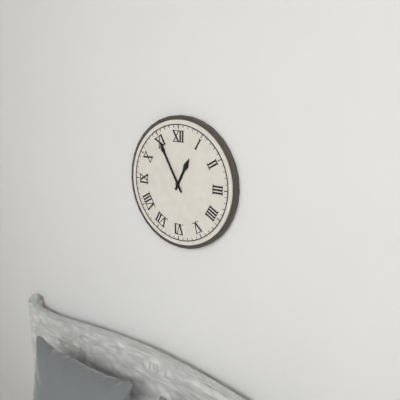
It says 12.55
